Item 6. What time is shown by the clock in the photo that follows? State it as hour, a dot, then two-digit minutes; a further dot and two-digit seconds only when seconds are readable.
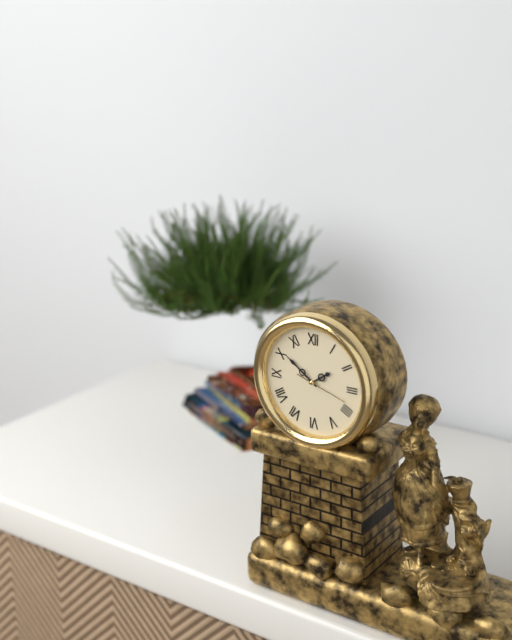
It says 1.51
